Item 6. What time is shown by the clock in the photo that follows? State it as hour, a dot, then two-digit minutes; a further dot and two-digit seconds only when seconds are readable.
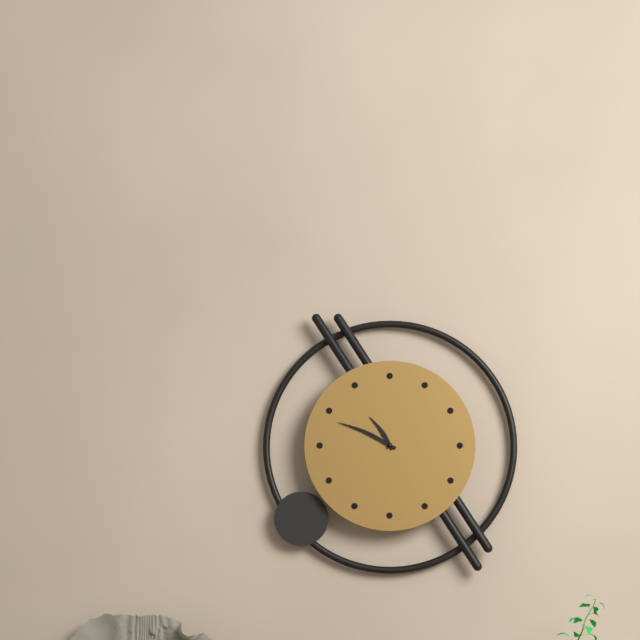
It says 10.49
